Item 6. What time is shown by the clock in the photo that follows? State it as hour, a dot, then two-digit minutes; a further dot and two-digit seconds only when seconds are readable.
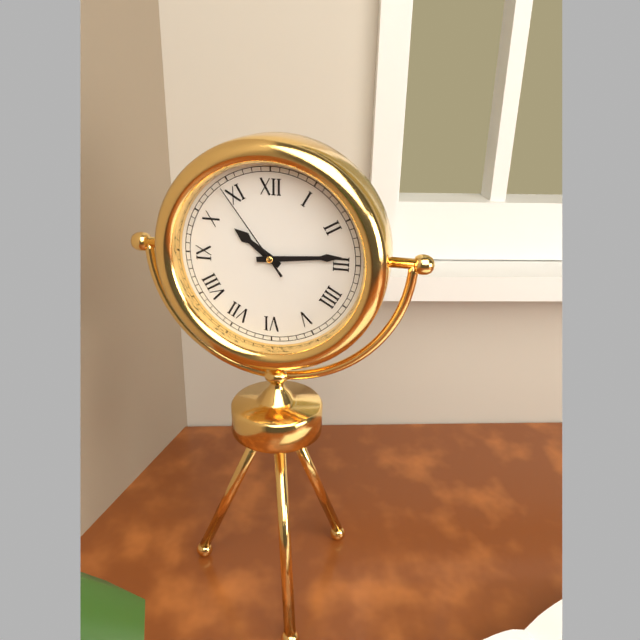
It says 10.14.54
